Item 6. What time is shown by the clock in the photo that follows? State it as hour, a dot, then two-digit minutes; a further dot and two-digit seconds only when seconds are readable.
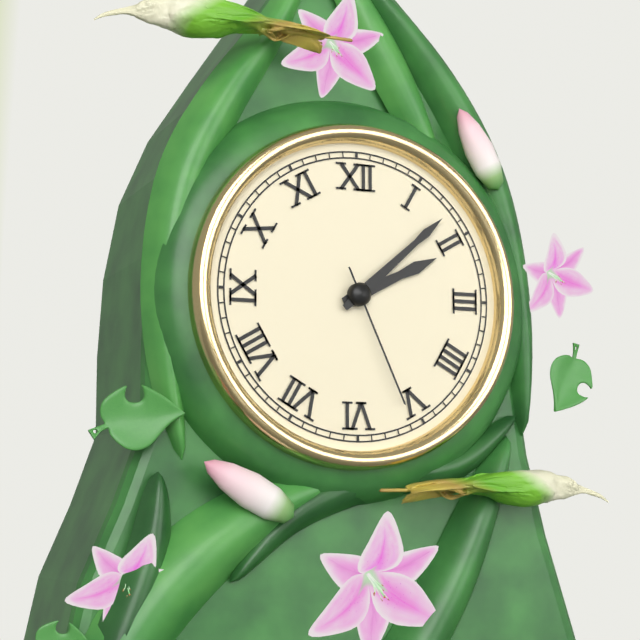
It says 2.08.26
